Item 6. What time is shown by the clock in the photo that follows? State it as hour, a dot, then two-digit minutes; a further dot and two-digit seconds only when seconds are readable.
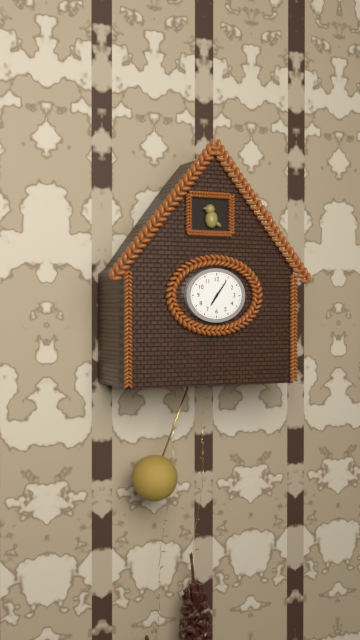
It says 7.06
